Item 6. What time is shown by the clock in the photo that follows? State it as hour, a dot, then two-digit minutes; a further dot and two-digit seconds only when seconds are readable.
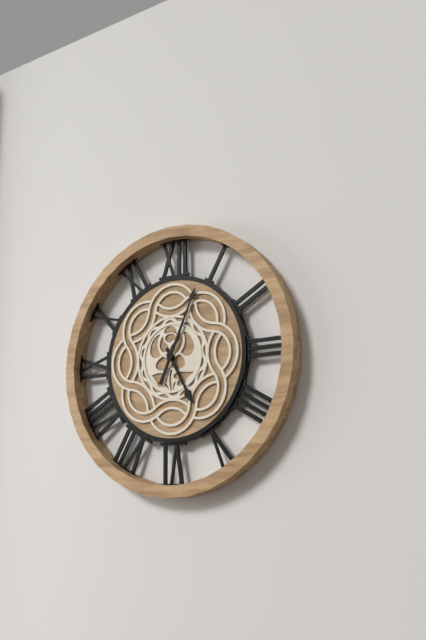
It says 5.04
